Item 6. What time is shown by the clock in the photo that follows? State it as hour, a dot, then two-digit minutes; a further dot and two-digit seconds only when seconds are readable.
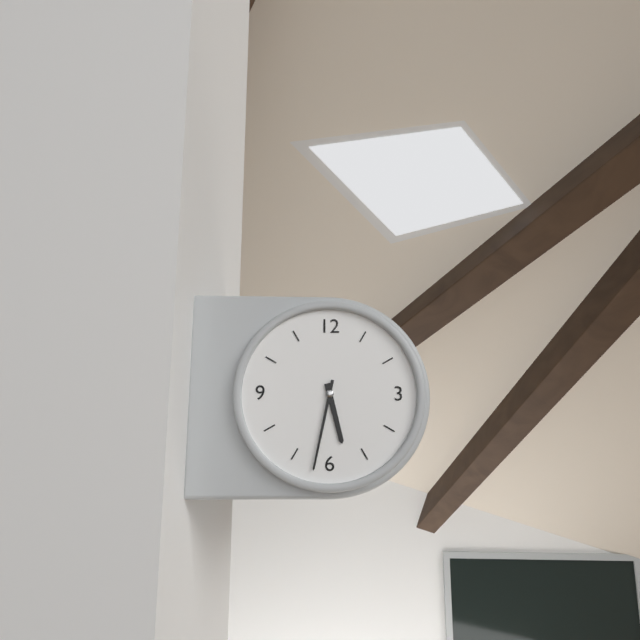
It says 5.32
